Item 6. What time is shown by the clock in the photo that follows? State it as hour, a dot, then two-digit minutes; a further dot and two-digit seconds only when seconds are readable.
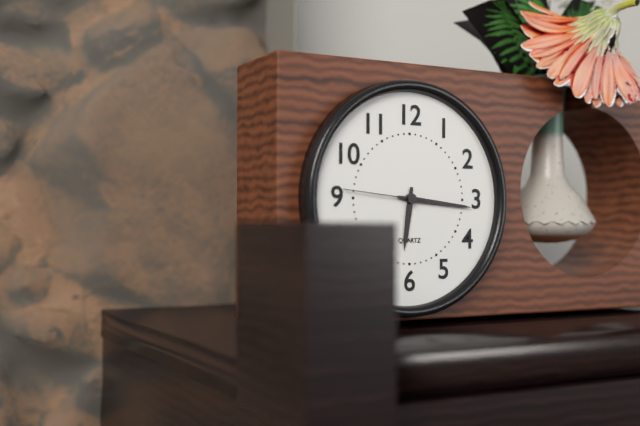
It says 6.16.46
